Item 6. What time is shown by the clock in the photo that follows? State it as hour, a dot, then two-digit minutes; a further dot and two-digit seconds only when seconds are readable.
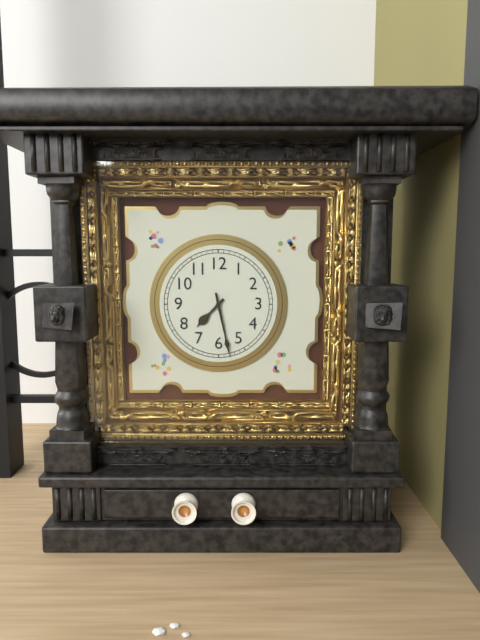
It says 7.28
